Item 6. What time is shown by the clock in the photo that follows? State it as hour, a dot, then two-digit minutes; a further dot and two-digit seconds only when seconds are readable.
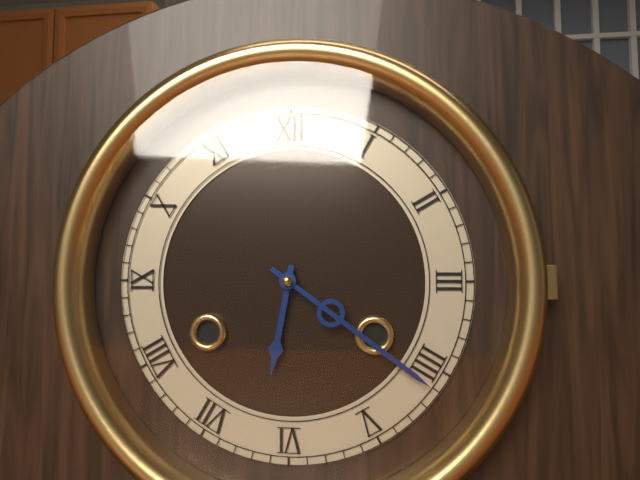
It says 6.21
